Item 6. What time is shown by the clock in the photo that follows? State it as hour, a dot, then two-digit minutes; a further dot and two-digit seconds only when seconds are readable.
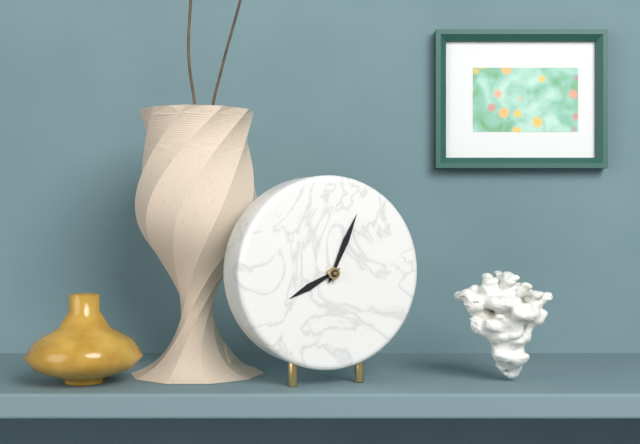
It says 8.04
